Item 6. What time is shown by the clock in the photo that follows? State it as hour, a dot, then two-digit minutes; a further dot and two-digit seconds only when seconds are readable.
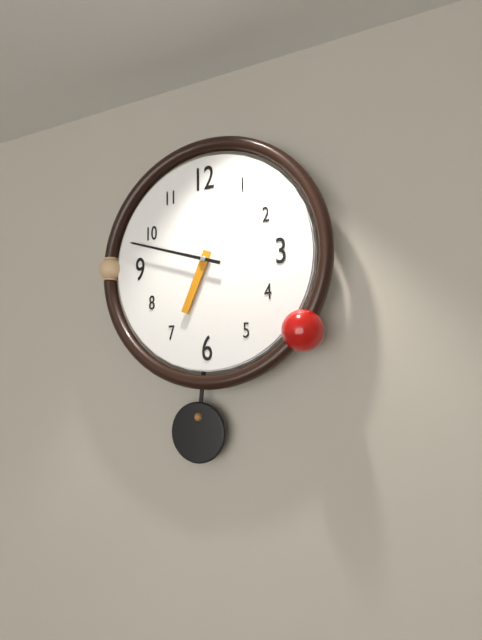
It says 6.48
